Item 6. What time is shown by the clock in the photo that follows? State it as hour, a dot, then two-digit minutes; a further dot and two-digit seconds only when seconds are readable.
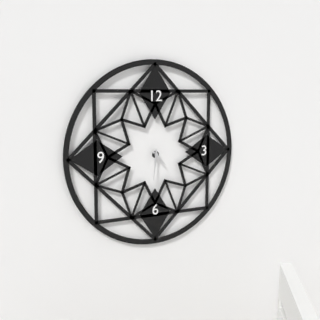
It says 4.31
